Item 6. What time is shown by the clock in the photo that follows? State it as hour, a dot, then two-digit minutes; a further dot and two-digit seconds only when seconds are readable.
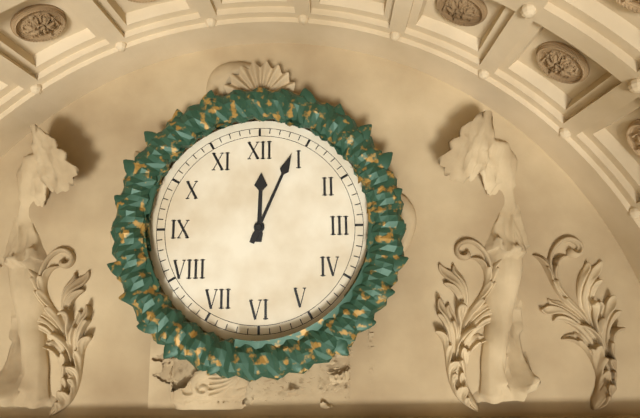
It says 12.04
